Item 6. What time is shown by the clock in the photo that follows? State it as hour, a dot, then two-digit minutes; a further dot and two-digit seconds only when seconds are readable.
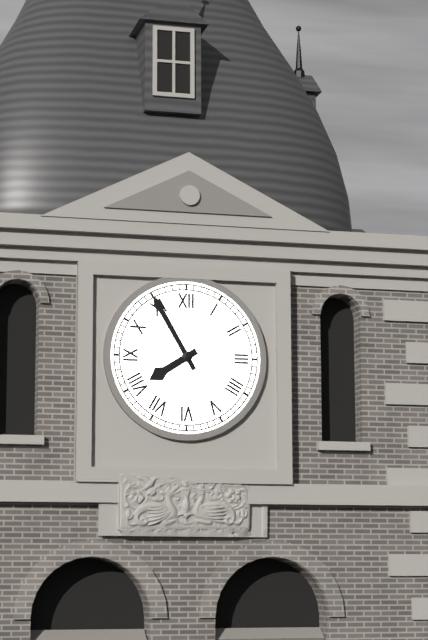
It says 7.55
